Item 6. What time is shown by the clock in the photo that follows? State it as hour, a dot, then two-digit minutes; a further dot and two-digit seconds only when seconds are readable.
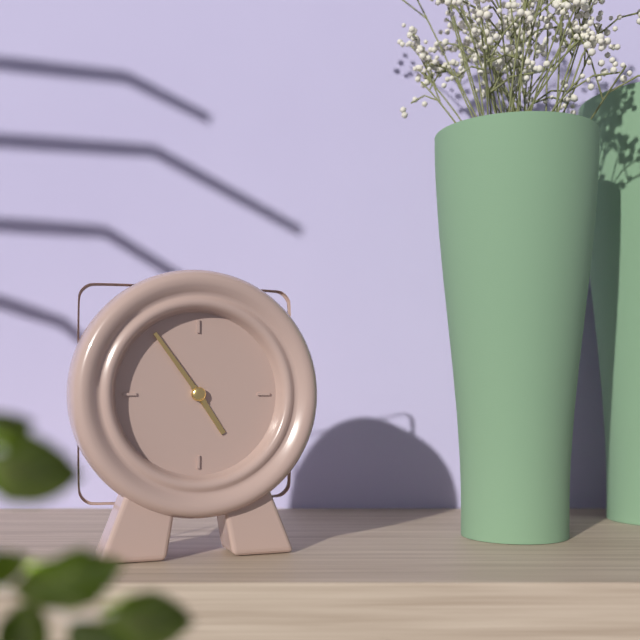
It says 4.54
